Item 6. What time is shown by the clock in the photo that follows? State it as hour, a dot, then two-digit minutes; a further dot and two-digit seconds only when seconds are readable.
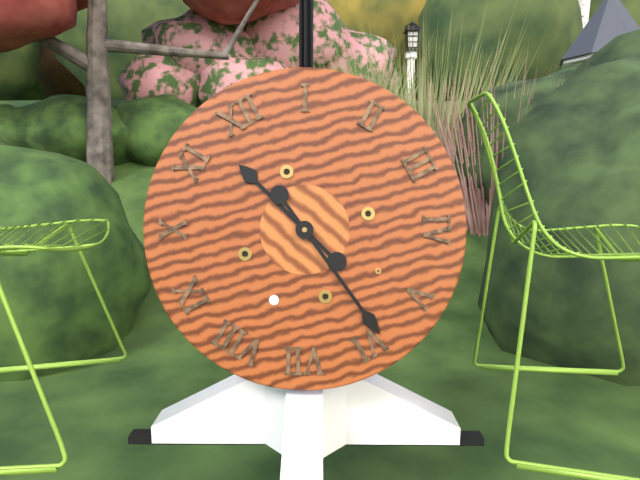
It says 11.29
